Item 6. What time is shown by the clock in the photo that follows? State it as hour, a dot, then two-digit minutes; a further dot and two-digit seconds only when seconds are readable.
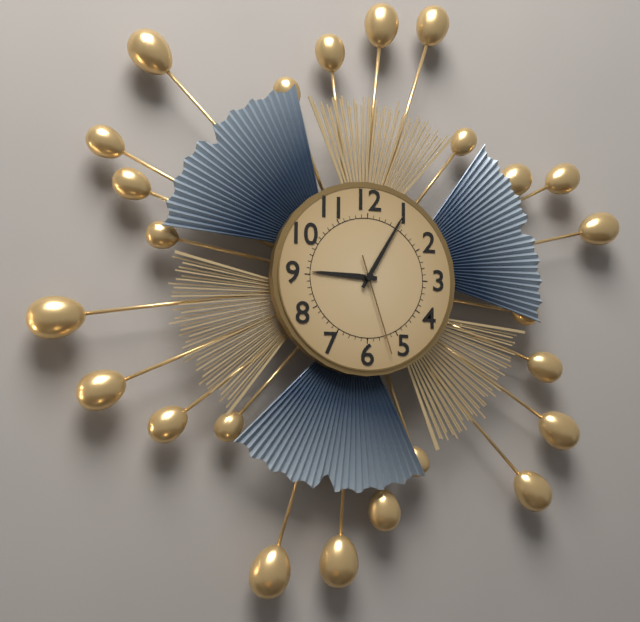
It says 9.05.27
